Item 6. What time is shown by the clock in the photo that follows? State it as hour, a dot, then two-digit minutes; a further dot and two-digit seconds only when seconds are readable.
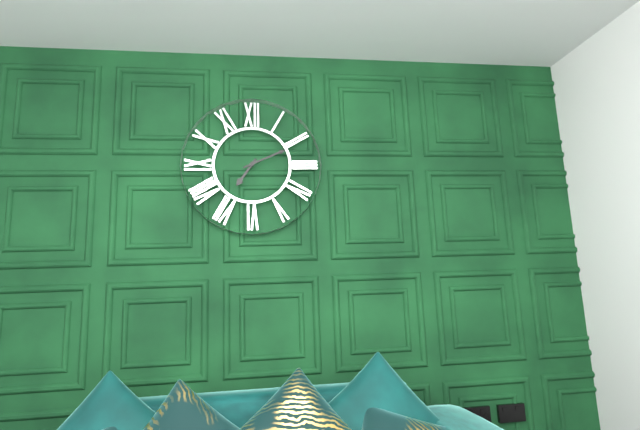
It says 7.11
